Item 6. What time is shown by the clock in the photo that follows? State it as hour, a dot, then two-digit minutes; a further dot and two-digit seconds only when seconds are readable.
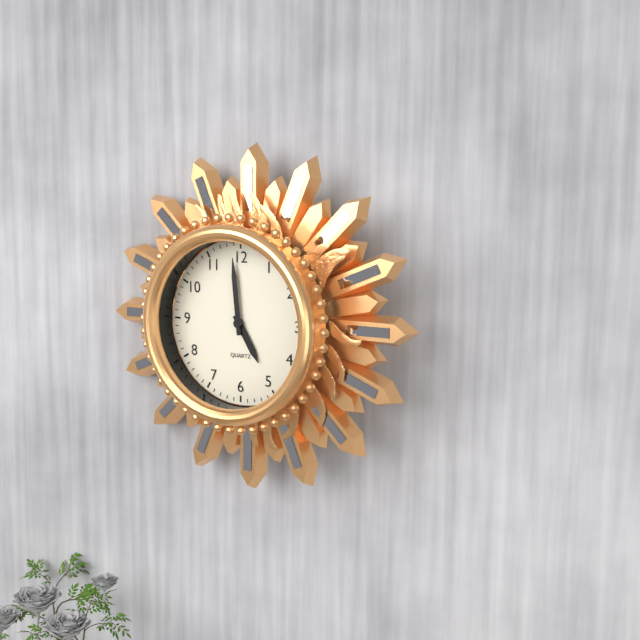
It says 4.59
